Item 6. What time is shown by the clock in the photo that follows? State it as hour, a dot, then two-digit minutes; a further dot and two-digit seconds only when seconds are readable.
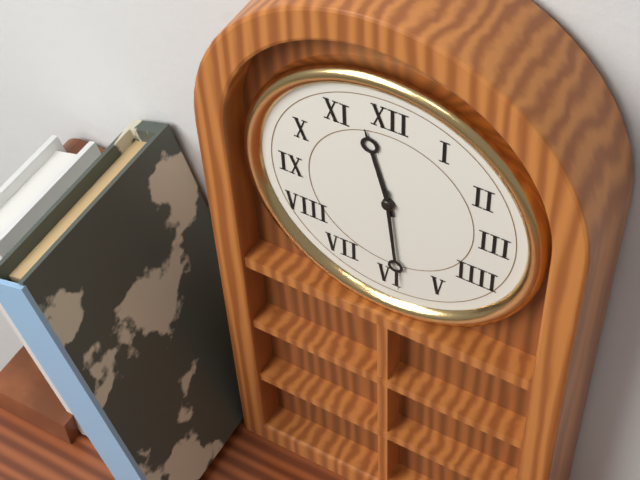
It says 11.29
